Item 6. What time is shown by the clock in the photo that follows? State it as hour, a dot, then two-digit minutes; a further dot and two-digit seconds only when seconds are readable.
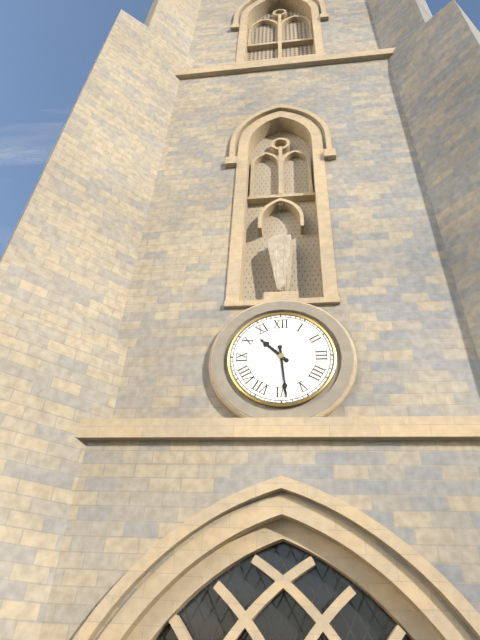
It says 10.29
